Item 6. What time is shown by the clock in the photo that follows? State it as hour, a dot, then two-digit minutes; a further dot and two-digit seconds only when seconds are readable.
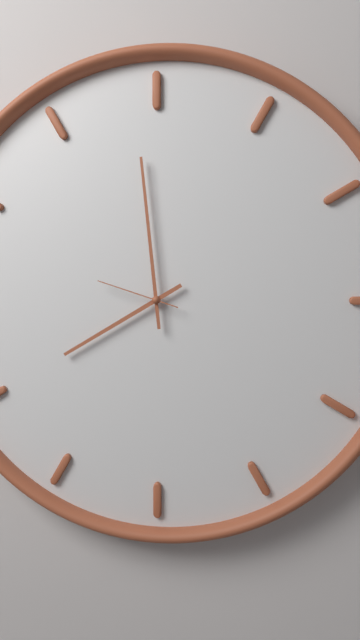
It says 7.59.48
